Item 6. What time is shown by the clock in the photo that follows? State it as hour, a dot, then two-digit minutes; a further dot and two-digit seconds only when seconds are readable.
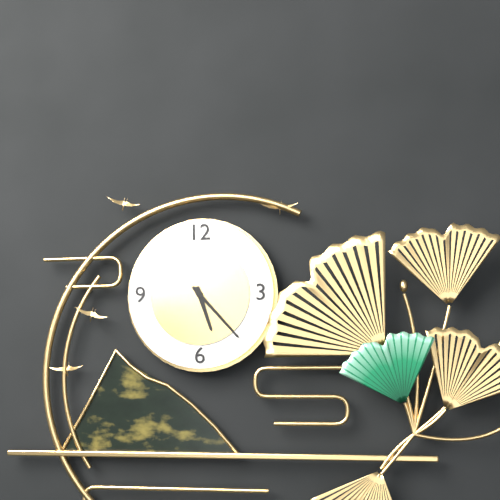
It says 5.23
